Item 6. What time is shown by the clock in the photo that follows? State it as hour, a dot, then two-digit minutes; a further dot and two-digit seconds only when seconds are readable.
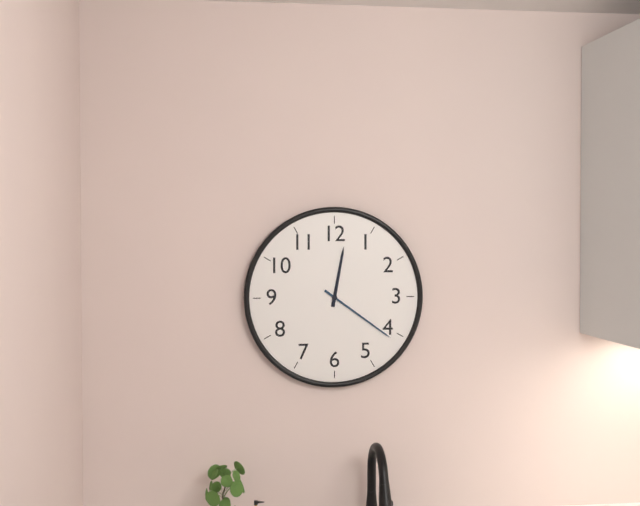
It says 12.21
